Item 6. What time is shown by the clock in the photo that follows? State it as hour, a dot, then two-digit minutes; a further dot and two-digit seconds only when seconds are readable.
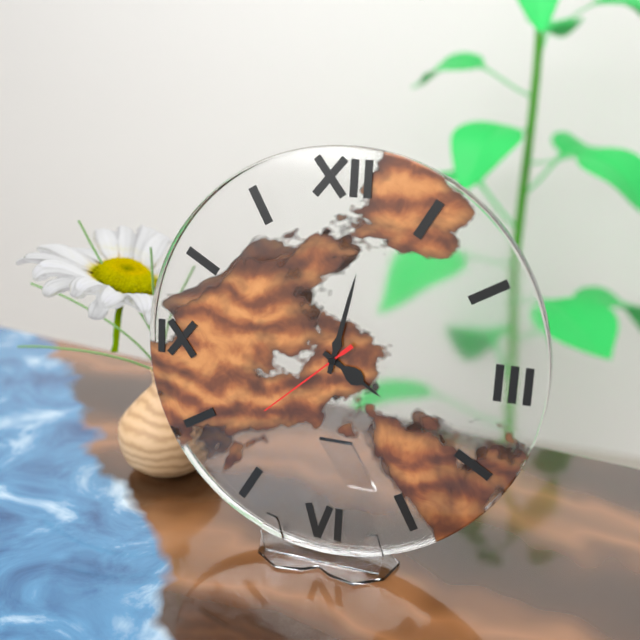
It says 4.02.38
